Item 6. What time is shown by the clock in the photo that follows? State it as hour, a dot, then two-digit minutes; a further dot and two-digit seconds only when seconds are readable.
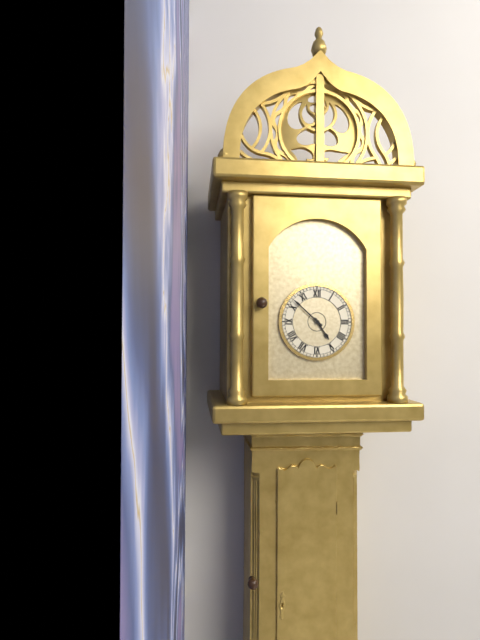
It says 4.52
